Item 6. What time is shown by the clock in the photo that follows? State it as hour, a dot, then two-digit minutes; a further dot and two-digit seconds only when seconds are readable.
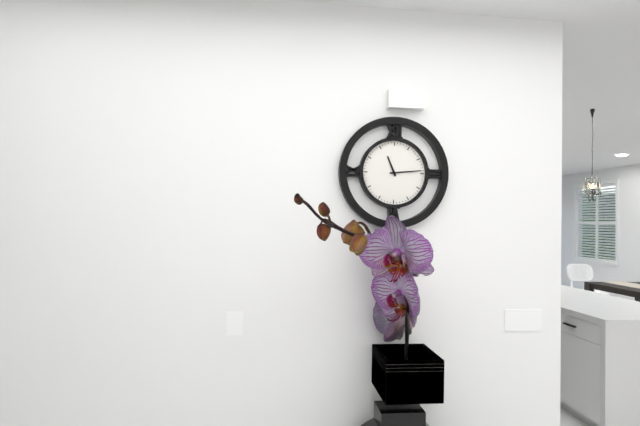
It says 11.14
